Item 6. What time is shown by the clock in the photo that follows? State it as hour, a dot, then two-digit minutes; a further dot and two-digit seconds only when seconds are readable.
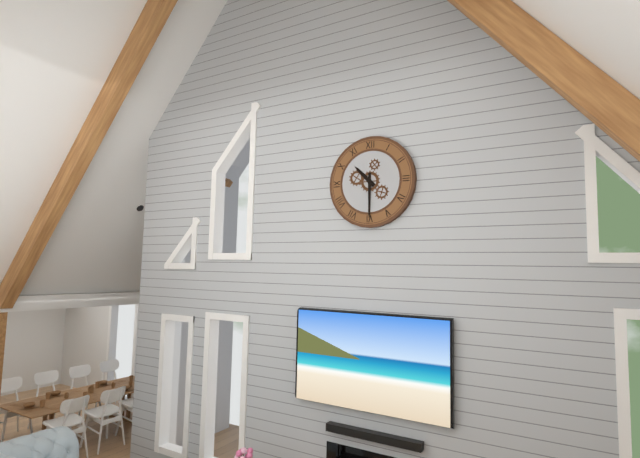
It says 10.30
